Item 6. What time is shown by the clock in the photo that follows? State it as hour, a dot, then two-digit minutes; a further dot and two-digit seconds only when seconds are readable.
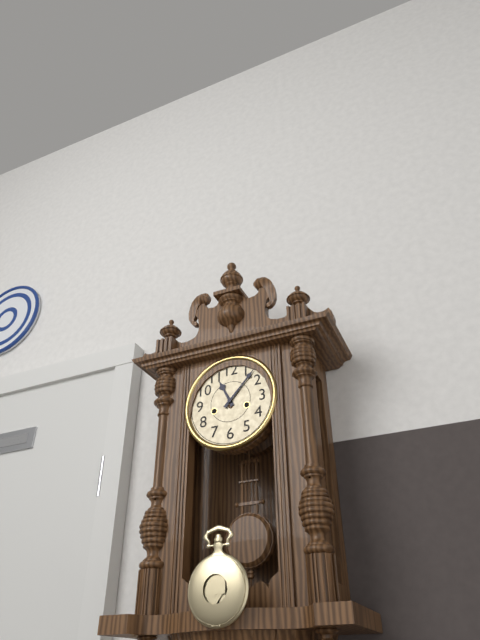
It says 11.07
